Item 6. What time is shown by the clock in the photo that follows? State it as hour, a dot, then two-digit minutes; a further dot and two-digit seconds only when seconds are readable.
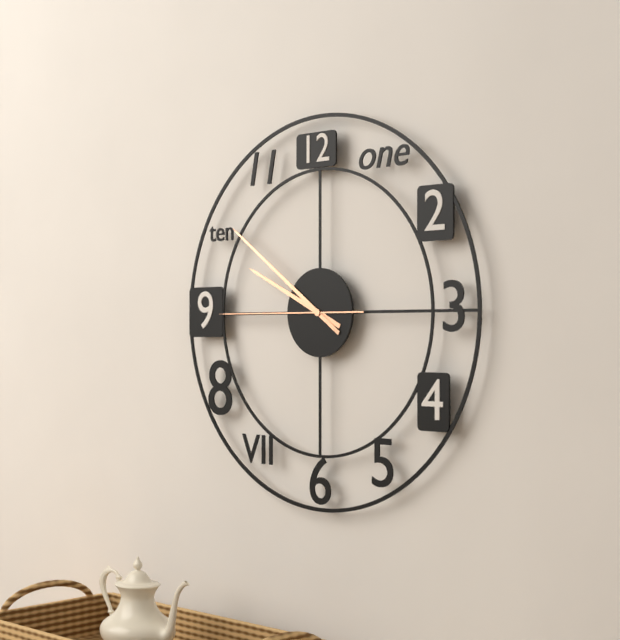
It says 9.51.45
